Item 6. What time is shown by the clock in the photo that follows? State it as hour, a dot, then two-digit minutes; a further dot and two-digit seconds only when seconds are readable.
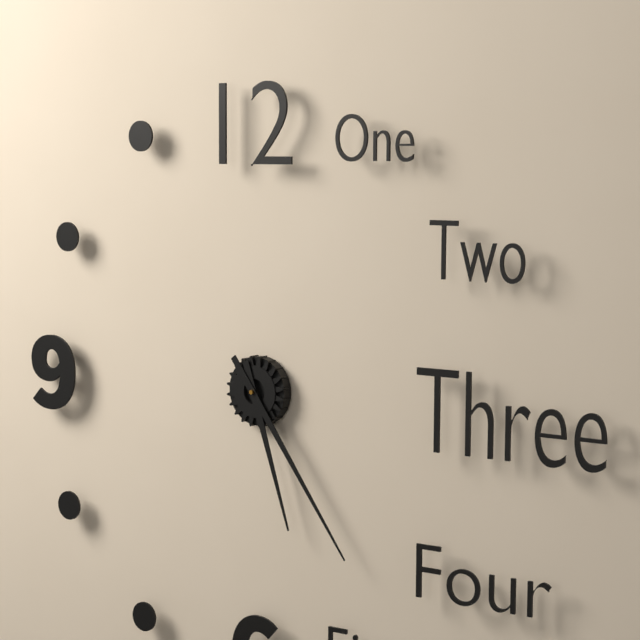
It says 5.24
